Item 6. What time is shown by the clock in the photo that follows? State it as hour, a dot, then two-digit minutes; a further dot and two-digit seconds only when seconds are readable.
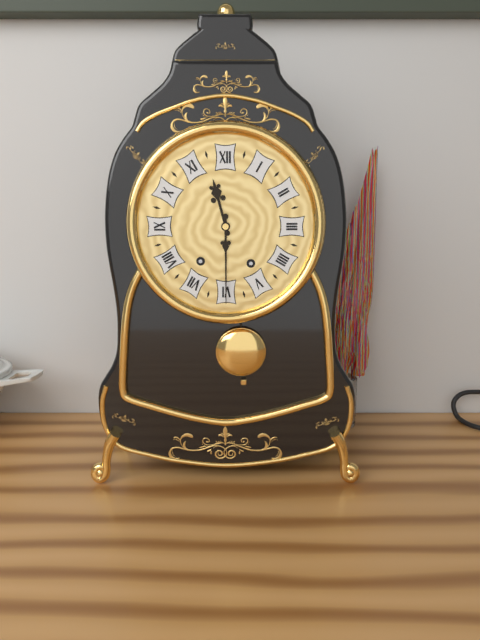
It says 11.30
